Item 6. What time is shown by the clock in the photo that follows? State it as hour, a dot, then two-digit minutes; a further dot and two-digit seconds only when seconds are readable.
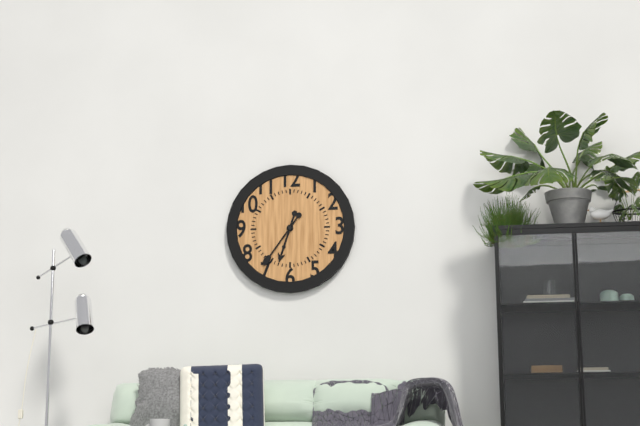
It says 6.36
